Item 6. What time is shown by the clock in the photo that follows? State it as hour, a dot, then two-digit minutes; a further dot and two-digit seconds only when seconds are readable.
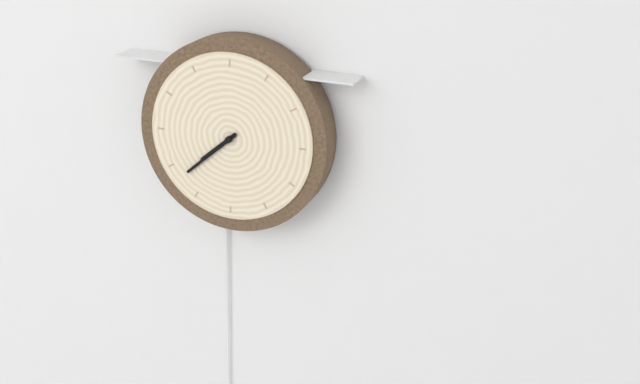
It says 7.38
